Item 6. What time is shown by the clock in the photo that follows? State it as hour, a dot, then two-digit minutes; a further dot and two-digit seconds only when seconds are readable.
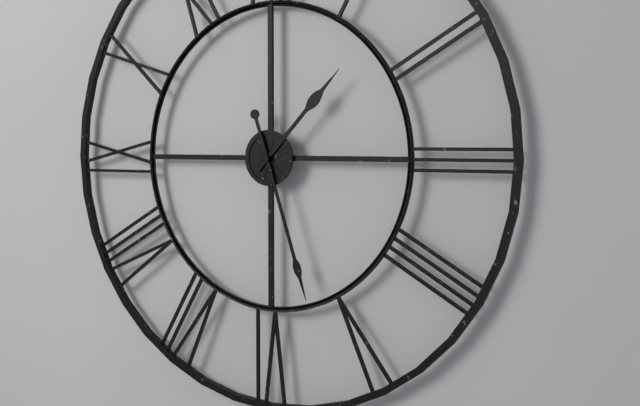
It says 1.27
